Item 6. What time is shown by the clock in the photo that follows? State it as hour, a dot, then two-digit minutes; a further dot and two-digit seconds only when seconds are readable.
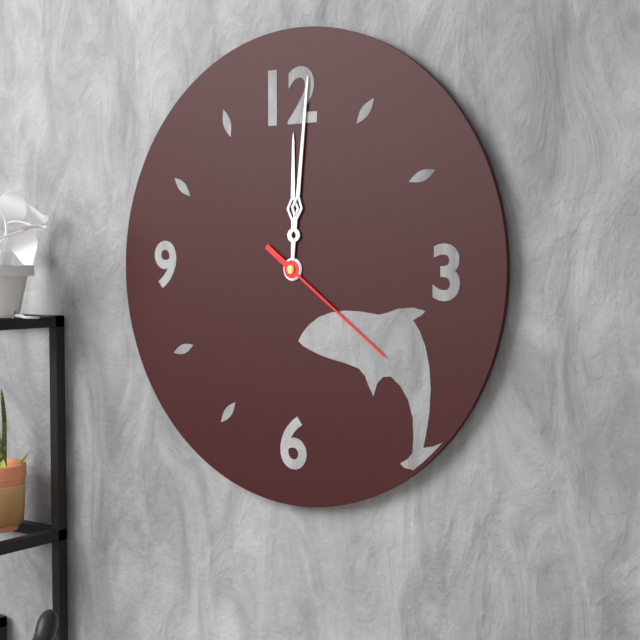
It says 12.01.21
